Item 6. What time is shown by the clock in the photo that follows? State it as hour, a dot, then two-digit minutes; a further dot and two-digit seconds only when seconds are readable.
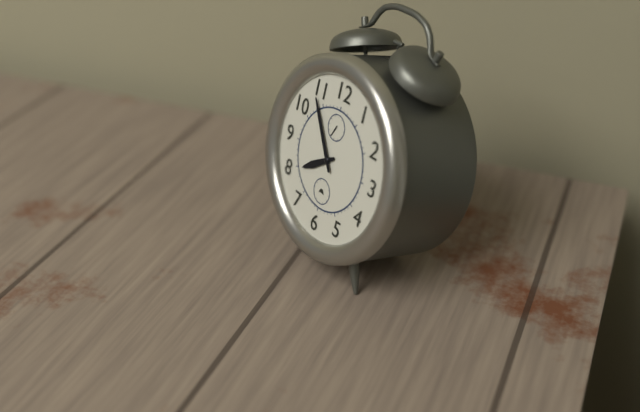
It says 7.54
